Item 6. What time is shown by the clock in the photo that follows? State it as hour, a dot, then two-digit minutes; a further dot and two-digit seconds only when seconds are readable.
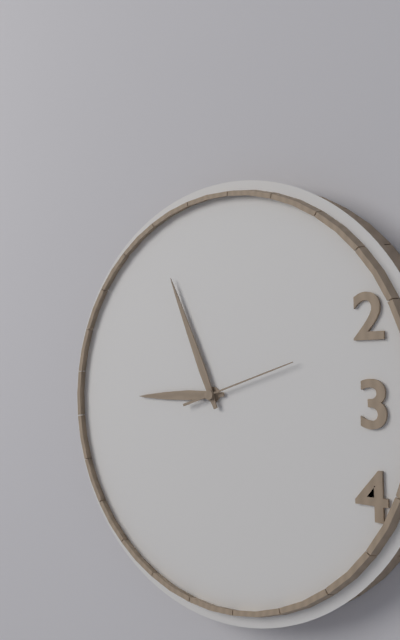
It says 8.56.12
